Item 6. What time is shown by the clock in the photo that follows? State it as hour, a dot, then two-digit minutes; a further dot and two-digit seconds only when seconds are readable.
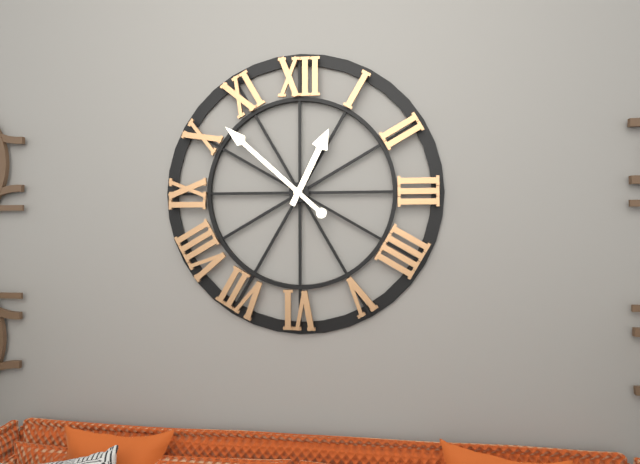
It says 12.52
